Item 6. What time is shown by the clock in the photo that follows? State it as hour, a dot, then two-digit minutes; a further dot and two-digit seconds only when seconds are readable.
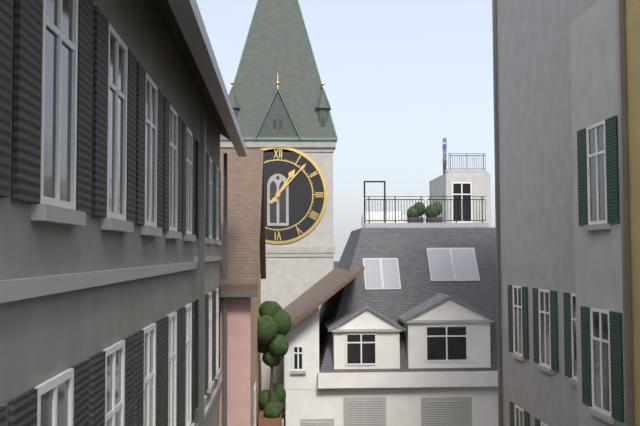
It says 1.07
